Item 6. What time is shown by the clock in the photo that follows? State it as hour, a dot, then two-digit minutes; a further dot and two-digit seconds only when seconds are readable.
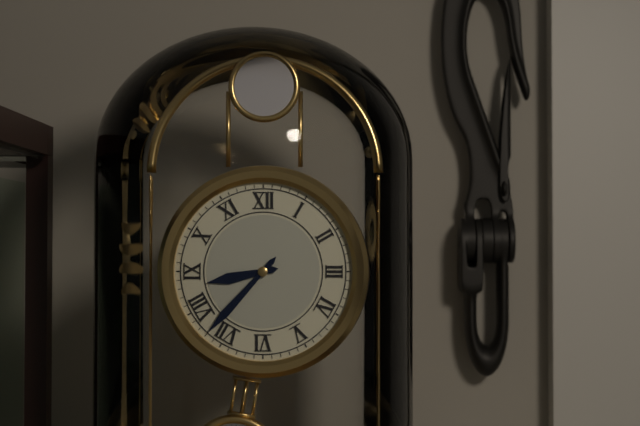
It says 8.37
